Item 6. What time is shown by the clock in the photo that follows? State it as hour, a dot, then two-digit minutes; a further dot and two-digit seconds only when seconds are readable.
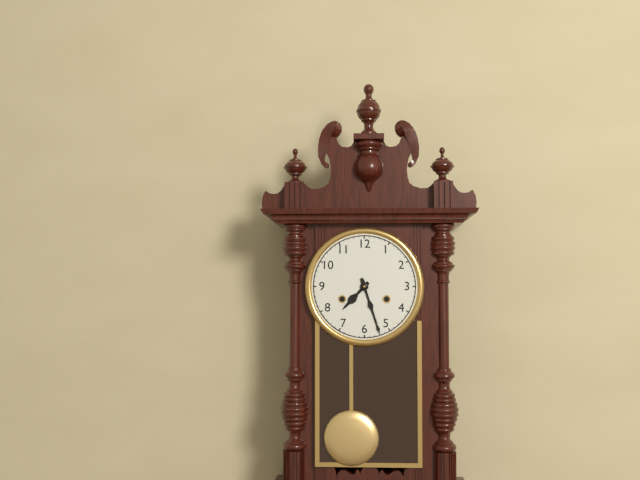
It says 7.27
